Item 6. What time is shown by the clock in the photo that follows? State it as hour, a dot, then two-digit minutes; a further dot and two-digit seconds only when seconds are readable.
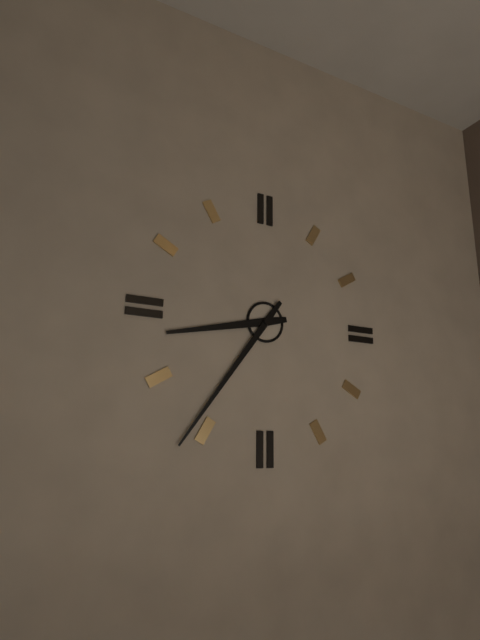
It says 8.36
